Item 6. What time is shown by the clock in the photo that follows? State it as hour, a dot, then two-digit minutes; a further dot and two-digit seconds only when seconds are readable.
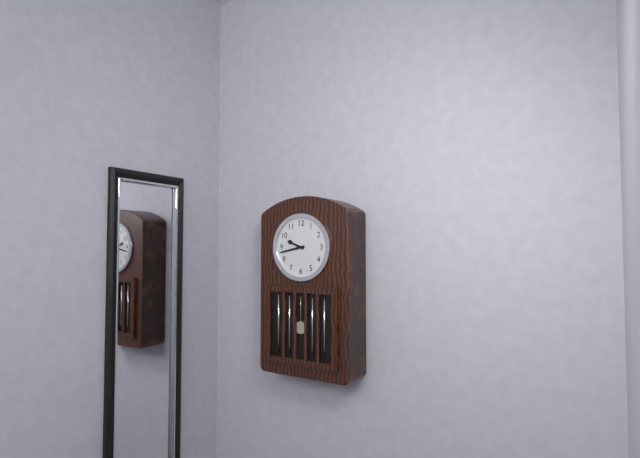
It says 9.43
